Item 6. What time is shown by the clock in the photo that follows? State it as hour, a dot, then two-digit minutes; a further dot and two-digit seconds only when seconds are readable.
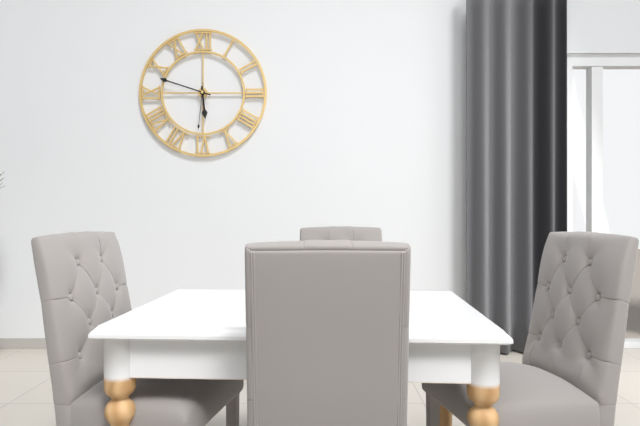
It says 5.48
